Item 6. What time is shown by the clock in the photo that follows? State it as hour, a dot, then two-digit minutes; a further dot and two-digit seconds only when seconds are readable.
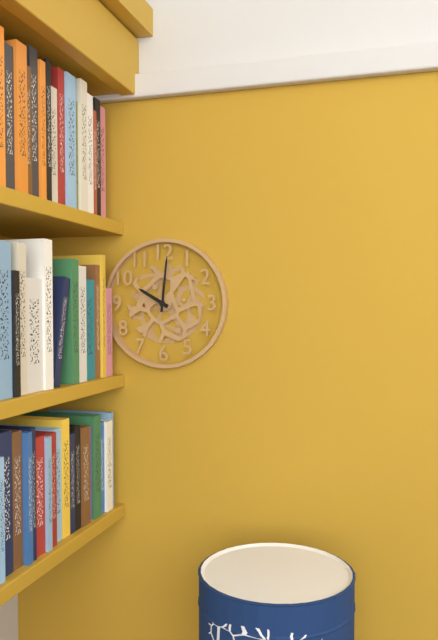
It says 10.01
